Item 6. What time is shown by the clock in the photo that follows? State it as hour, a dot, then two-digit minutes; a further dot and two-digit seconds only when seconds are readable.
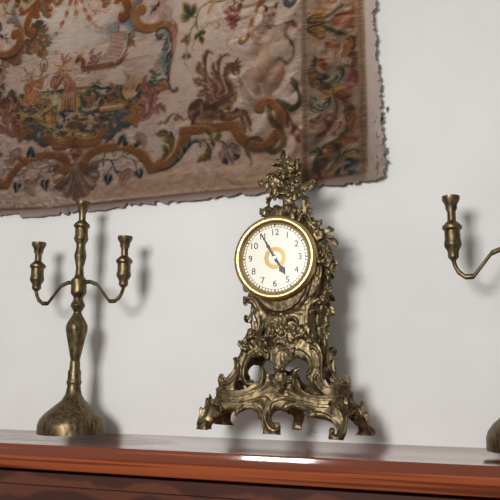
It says 4.55
